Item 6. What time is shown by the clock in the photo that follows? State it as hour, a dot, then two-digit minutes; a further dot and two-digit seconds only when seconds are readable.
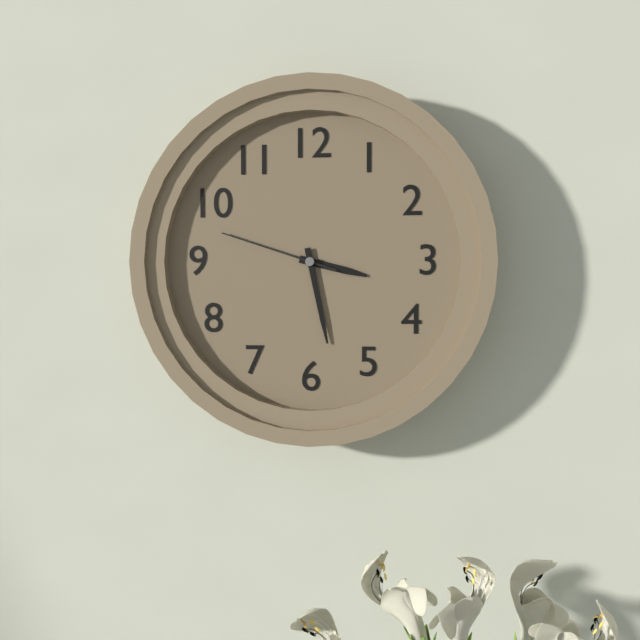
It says 3.28.48
